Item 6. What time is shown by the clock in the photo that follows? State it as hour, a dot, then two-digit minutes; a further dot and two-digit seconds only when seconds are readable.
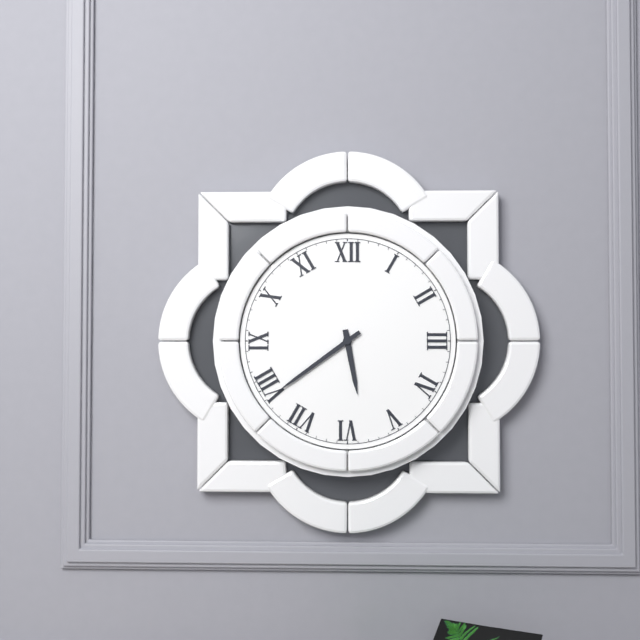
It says 5.39
